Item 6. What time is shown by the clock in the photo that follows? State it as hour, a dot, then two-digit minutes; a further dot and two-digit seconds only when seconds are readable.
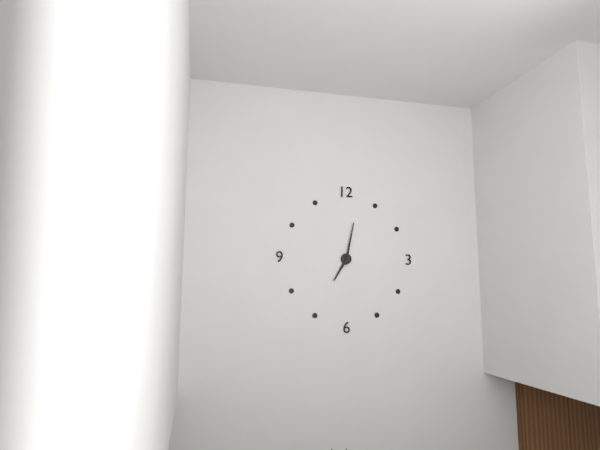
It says 7.02
